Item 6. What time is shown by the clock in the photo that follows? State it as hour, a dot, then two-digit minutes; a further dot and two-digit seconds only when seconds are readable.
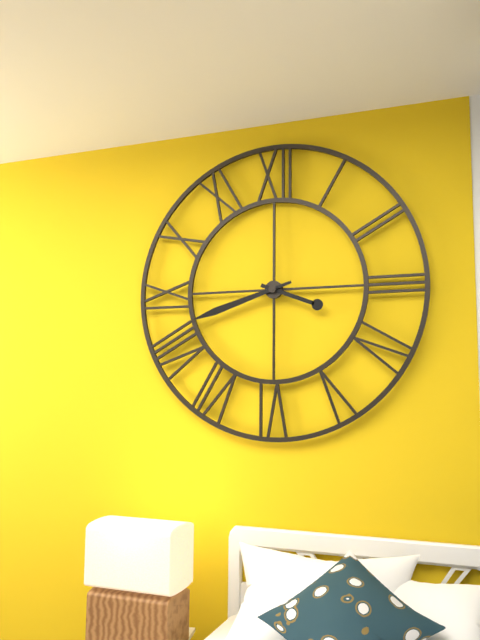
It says 3.42
